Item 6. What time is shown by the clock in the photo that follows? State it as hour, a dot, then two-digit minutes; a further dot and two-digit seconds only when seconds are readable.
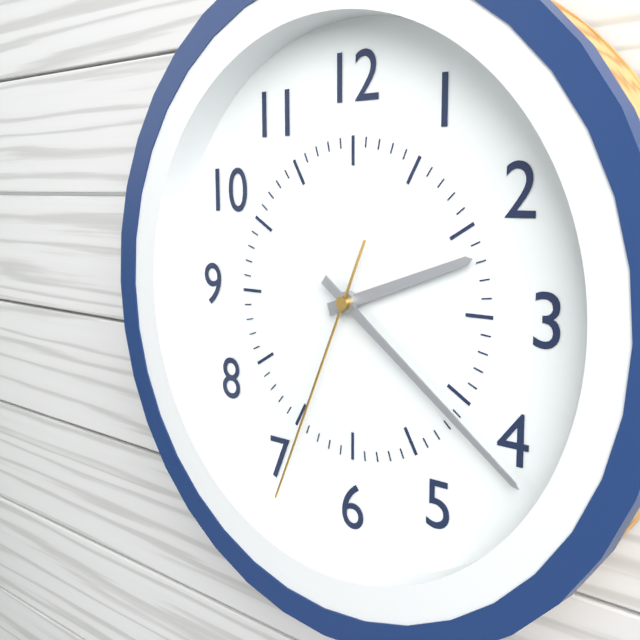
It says 2.21.34
